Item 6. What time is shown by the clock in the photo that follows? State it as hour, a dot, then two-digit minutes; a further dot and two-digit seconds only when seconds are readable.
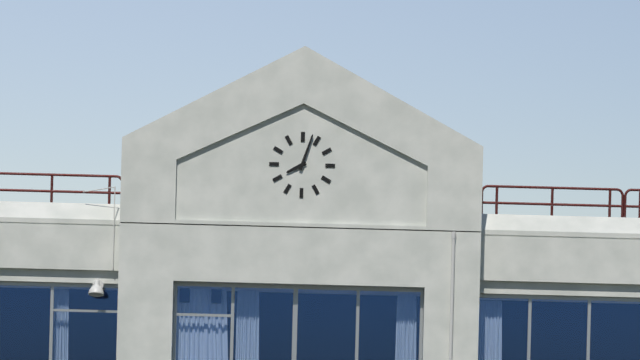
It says 8.03
